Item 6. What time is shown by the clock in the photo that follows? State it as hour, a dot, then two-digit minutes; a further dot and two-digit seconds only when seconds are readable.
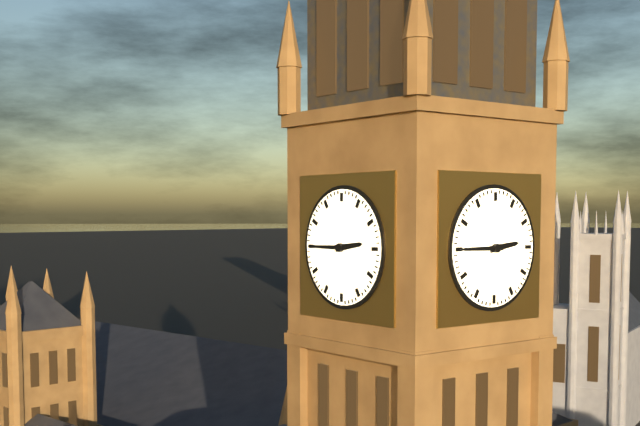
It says 2.45
